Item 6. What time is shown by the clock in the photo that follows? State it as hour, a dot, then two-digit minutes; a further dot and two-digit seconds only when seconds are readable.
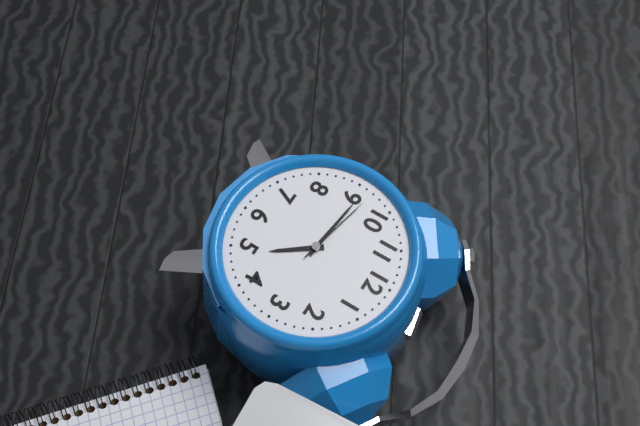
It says 4.46.47
